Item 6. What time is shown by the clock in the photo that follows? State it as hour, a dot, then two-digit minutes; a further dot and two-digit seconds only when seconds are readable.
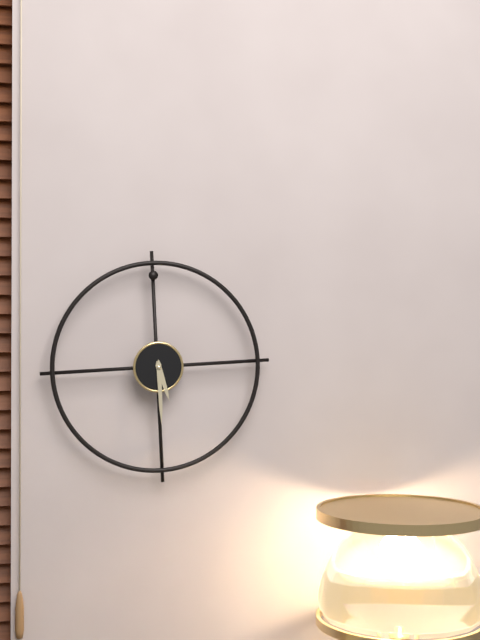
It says 5.30
